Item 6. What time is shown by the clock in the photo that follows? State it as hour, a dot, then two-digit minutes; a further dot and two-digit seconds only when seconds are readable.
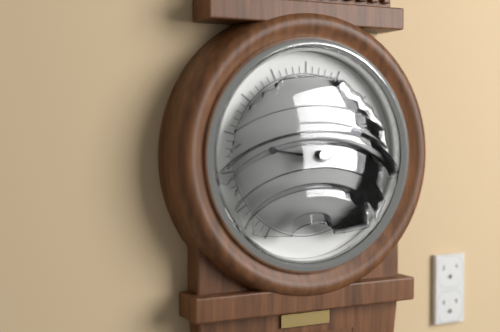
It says 9.16
